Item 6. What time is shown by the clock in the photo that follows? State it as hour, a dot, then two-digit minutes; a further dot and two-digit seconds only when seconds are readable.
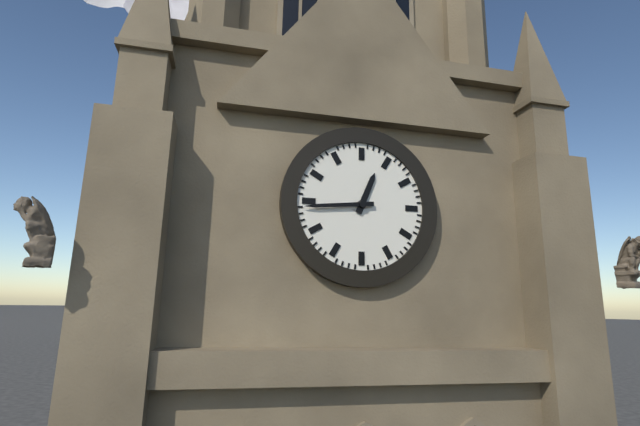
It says 12.44
